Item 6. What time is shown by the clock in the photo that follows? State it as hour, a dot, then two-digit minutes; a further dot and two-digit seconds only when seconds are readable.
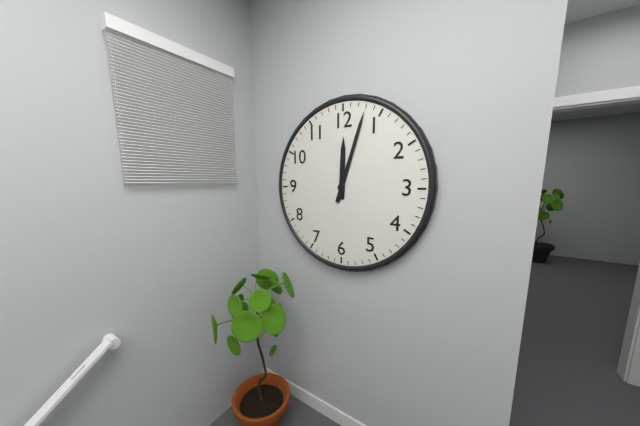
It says 12.03
